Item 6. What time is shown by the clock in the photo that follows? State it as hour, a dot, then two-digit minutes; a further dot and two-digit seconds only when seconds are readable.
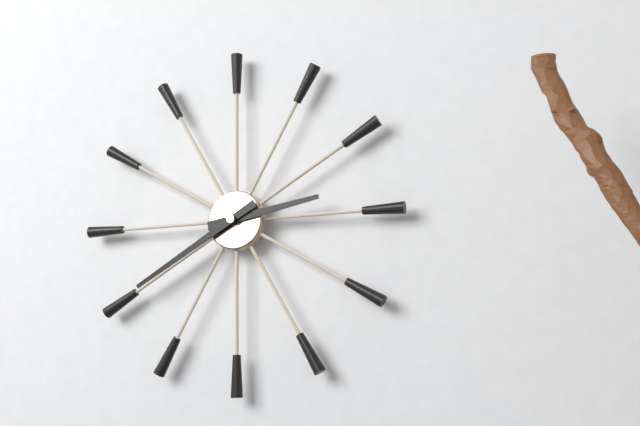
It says 2.40
